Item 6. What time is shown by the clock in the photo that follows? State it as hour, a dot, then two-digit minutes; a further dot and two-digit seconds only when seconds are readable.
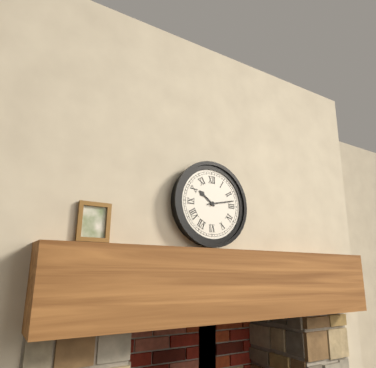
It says 10.13
